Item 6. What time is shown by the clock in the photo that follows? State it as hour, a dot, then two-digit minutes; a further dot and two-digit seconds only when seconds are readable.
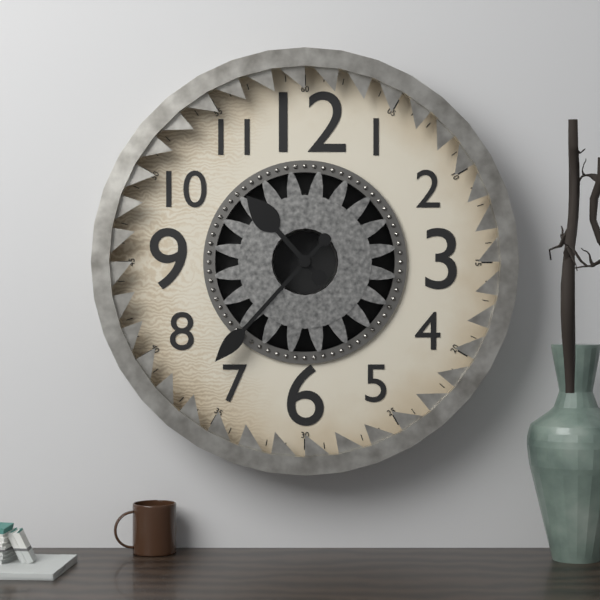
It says 10.37
